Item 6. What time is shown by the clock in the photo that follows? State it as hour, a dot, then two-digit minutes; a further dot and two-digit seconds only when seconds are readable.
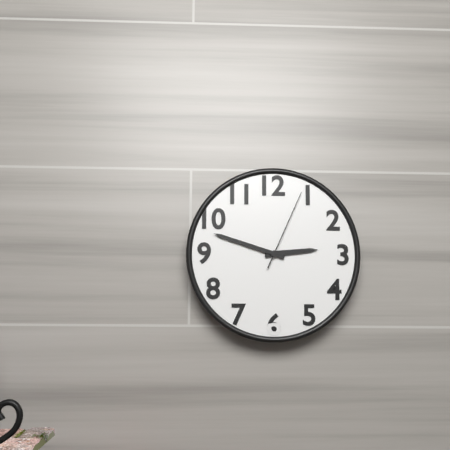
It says 2.48.04
